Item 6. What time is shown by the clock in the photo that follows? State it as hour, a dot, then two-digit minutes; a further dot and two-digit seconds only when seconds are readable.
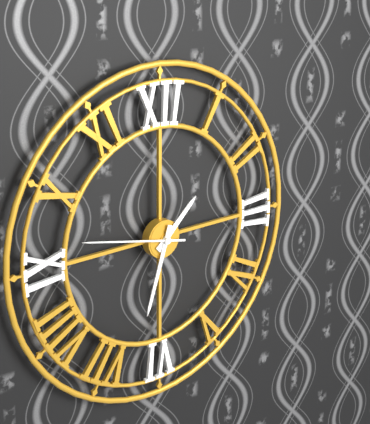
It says 1.33.47
